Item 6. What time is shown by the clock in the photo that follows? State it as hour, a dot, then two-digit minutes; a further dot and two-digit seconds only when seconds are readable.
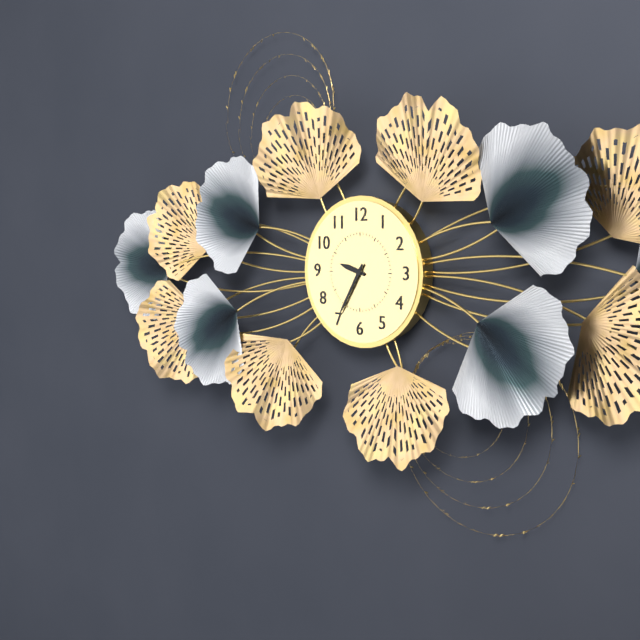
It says 9.35
